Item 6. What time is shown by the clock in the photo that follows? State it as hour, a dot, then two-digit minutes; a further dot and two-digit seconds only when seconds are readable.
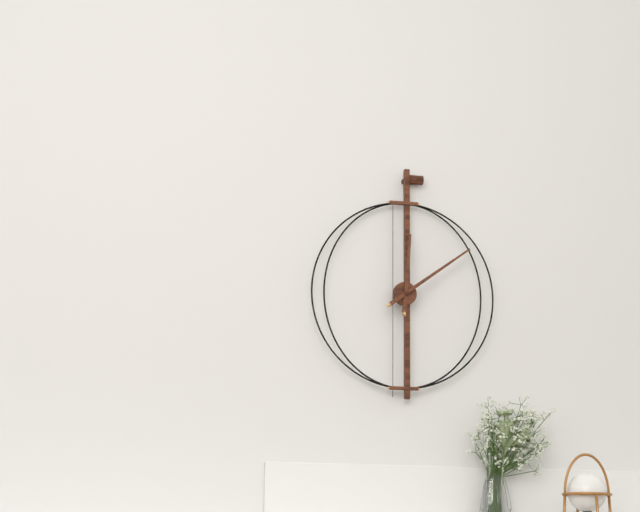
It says 12.09
